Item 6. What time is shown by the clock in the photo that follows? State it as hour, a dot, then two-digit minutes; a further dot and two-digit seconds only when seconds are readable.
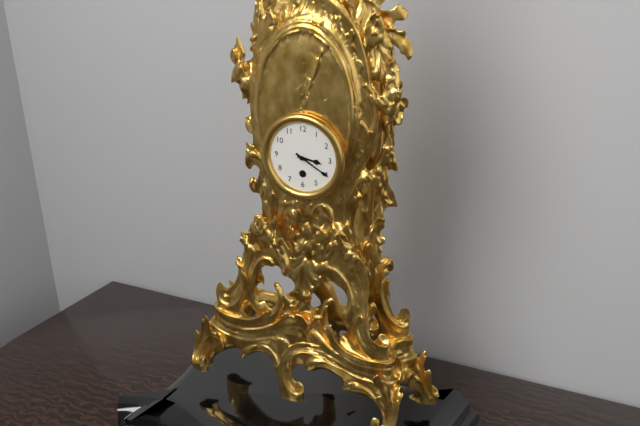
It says 3.20
